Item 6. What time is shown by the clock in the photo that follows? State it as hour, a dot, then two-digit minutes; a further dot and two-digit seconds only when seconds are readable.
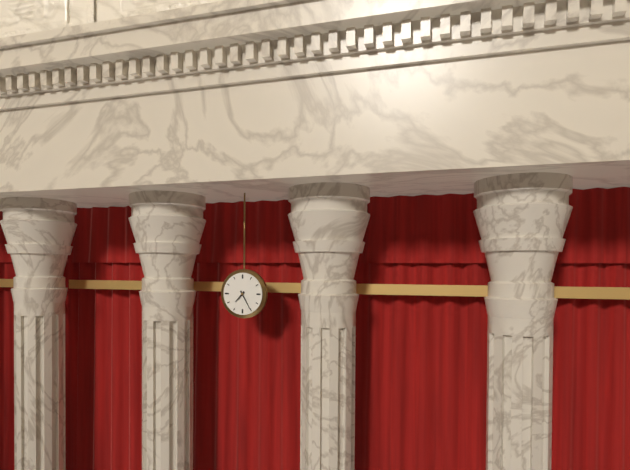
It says 7.25
